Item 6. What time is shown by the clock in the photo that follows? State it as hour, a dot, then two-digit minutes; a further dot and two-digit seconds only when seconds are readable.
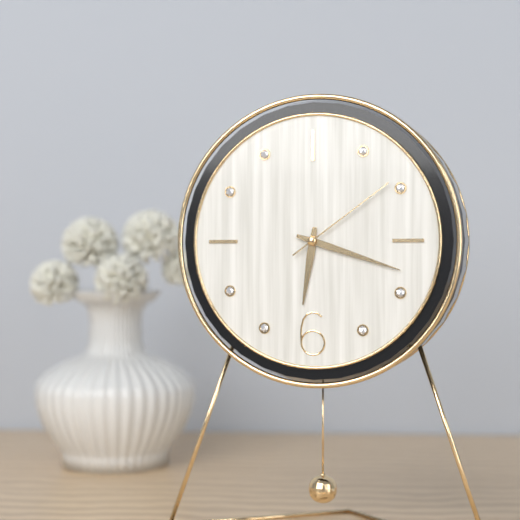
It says 6.18.09
